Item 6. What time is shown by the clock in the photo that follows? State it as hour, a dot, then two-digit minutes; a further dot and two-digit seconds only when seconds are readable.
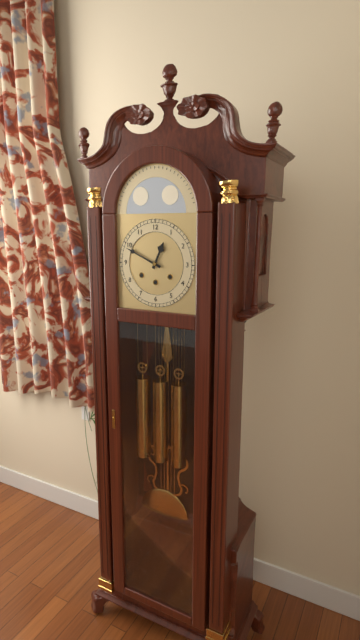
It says 12.49
